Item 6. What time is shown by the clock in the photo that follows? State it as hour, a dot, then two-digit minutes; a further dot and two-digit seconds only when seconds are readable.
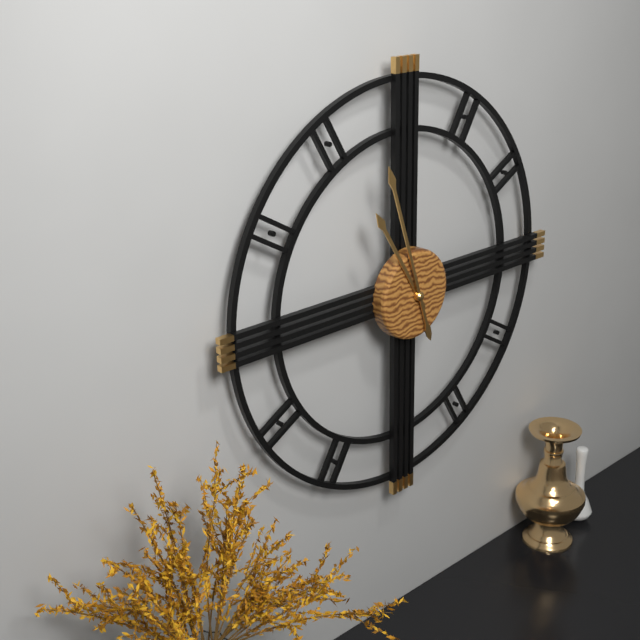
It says 10.57
